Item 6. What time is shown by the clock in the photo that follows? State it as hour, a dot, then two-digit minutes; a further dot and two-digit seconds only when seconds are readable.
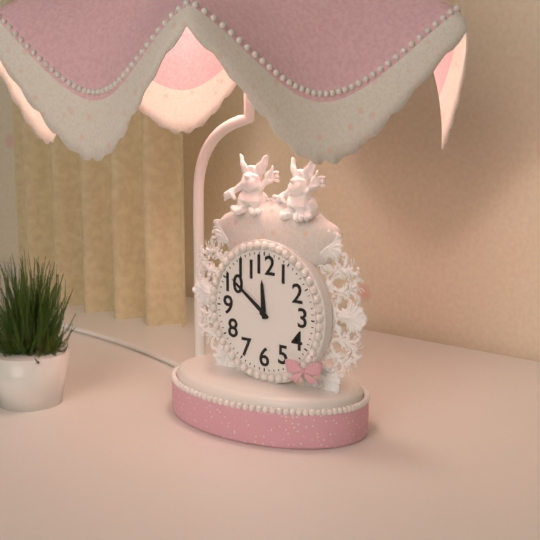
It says 11.51
